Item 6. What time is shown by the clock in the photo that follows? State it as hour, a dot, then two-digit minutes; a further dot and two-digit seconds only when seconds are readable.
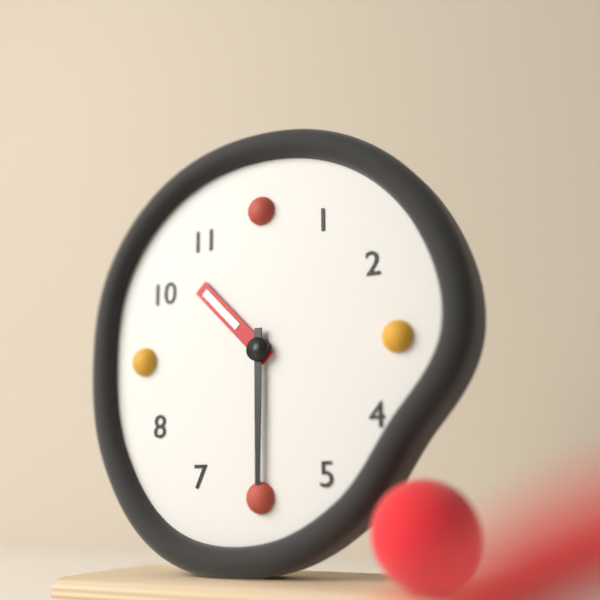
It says 10.30
